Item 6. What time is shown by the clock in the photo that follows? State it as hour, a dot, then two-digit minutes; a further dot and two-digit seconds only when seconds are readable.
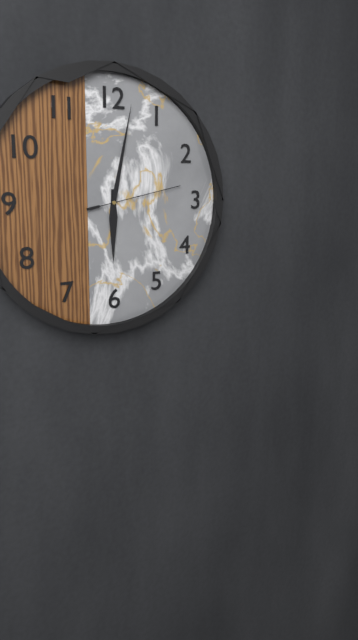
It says 6.02.13
